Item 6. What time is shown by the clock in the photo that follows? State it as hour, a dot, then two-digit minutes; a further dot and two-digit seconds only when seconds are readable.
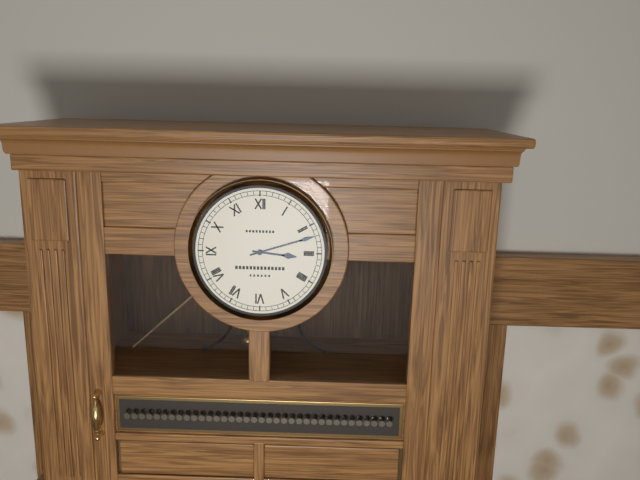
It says 3.12
